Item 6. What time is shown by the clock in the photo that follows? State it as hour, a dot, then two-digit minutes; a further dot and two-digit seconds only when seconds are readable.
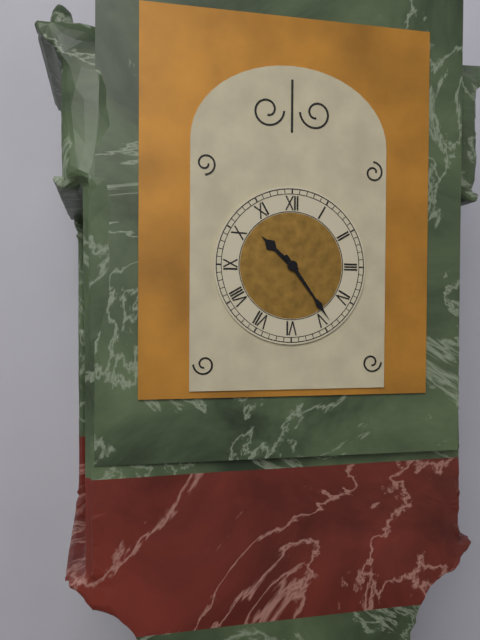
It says 10.24
